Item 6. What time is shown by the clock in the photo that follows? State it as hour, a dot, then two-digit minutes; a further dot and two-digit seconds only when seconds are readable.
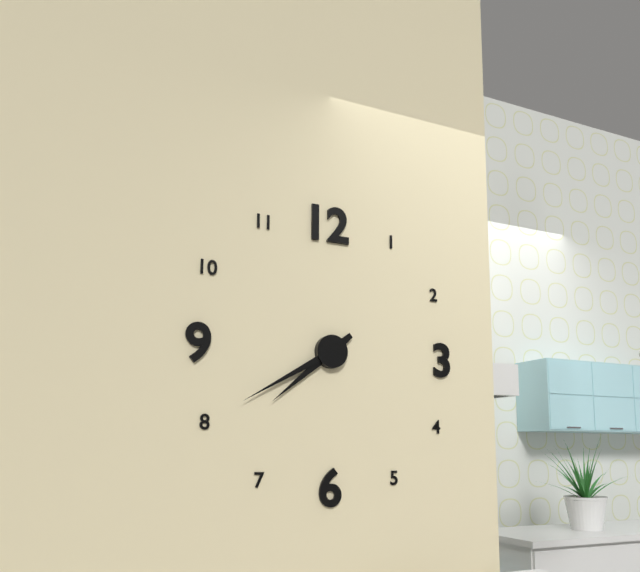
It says 7.40
